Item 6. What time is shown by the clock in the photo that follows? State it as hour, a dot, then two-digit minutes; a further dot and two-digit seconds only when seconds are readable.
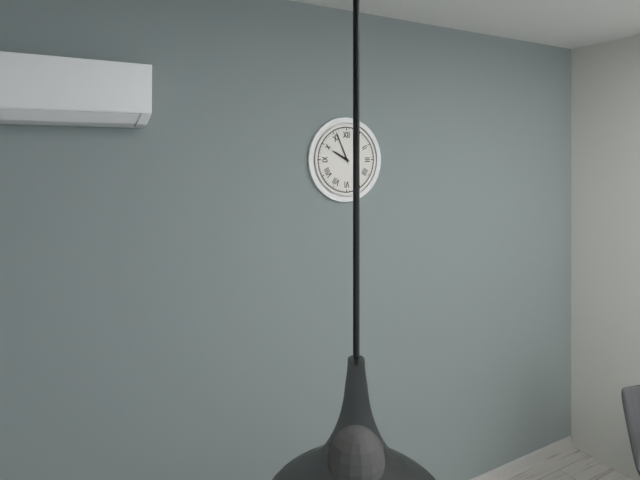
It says 9.56
